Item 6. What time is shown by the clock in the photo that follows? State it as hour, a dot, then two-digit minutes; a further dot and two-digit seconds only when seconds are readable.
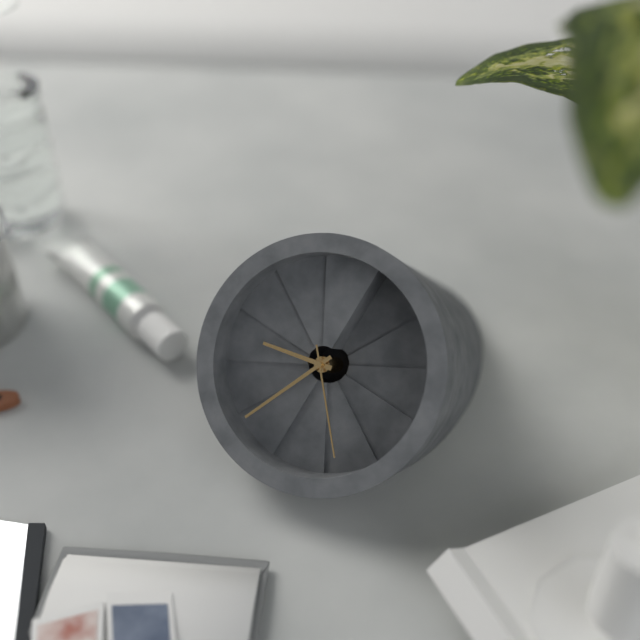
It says 8.34.23
